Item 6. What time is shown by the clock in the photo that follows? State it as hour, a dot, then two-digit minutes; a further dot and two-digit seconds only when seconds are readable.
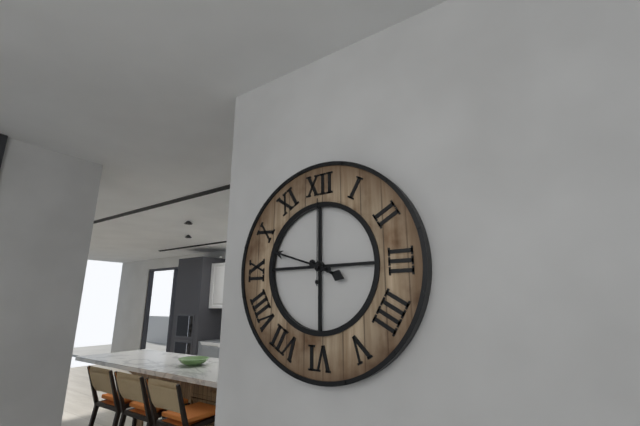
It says 3.48.00
